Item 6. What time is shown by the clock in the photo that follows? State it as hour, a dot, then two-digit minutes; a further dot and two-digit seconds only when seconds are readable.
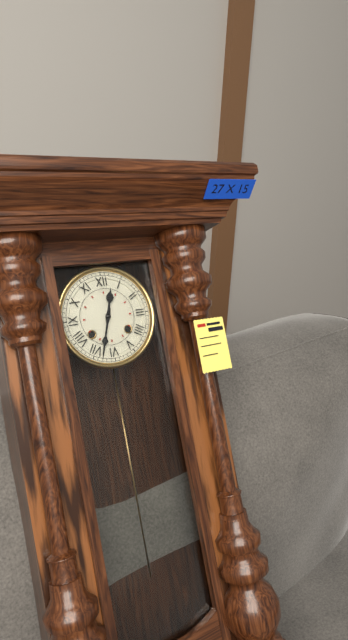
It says 12.33
